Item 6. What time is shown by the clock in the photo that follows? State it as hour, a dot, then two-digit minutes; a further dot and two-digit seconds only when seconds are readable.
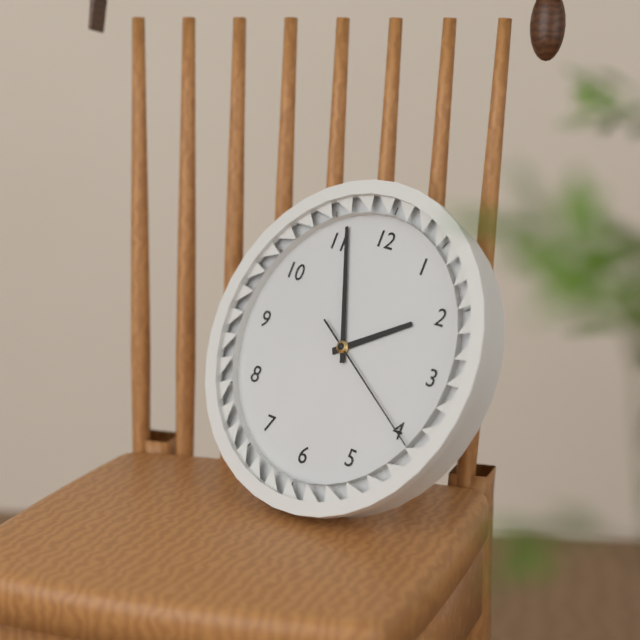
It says 1.56.20
